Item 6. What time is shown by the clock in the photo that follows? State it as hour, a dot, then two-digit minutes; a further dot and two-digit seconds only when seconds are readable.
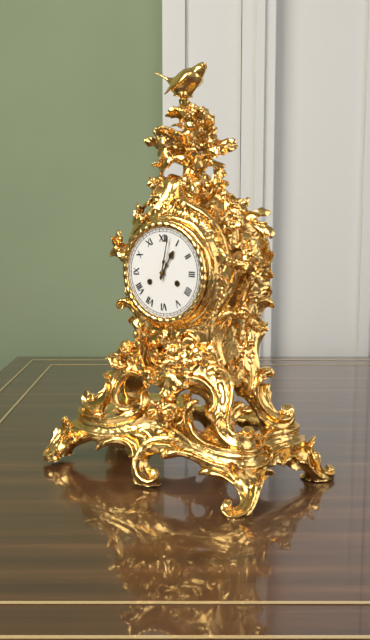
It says 1.02
